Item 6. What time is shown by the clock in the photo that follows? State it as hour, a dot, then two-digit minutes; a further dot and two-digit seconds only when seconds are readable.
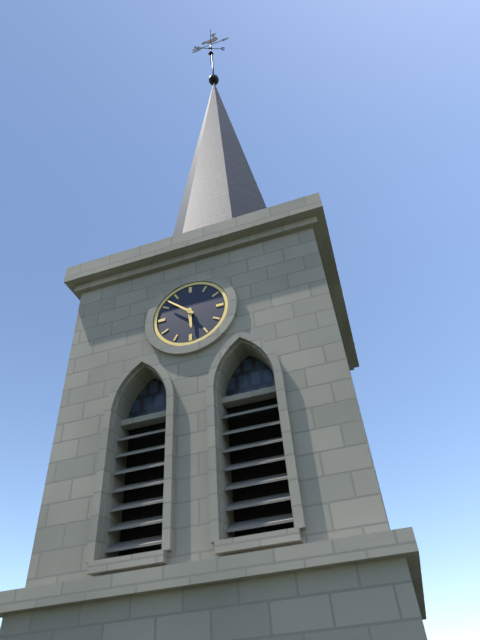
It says 5.52
